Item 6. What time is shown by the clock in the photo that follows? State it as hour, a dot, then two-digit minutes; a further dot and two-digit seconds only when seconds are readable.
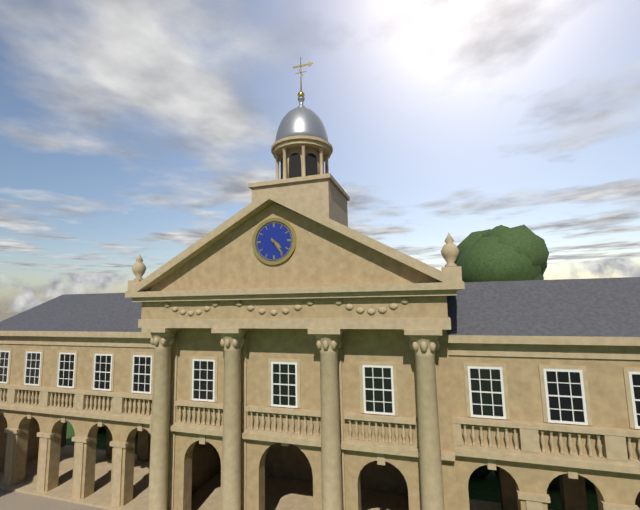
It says 4.24
